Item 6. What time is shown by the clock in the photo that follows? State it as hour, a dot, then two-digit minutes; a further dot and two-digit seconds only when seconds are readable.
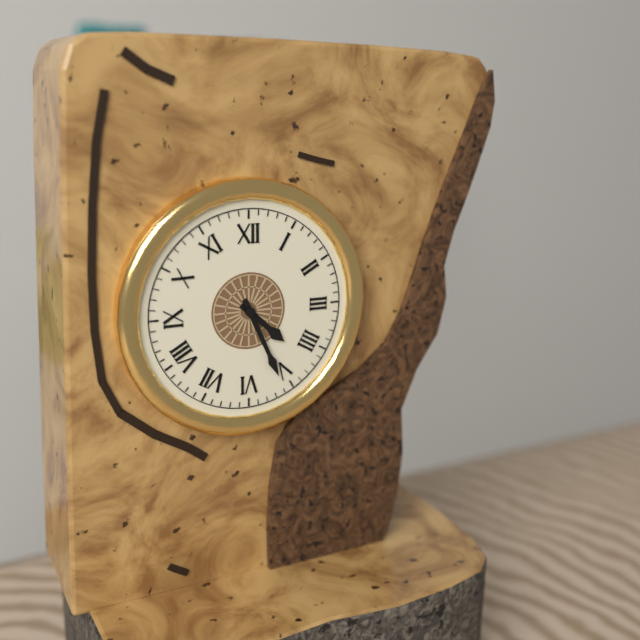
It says 4.26
